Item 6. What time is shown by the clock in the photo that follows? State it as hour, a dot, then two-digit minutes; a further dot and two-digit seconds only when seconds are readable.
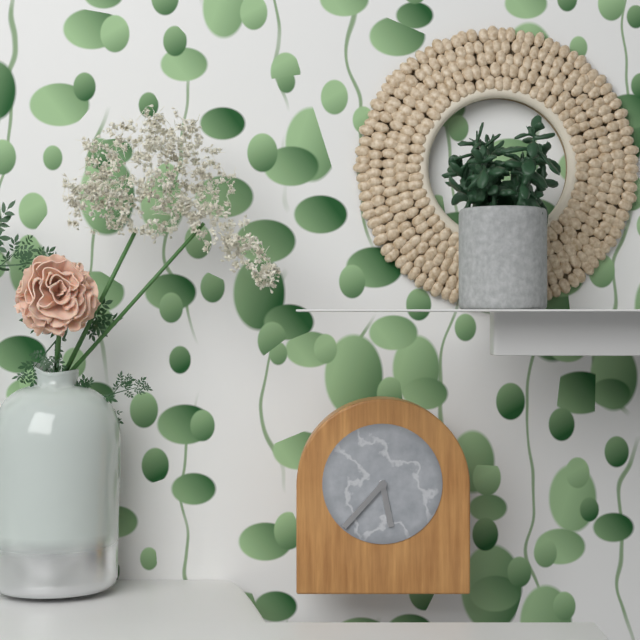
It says 5.37
